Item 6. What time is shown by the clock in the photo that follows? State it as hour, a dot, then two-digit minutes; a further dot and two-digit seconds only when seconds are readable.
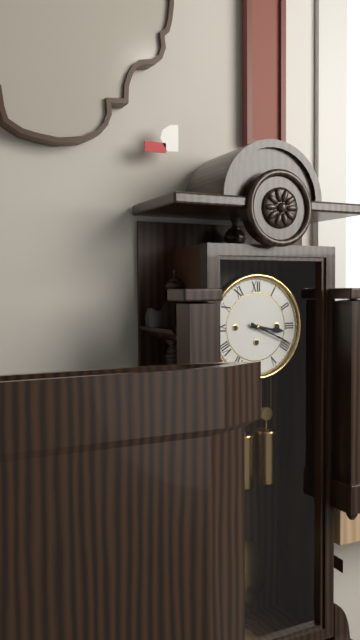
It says 3.19
